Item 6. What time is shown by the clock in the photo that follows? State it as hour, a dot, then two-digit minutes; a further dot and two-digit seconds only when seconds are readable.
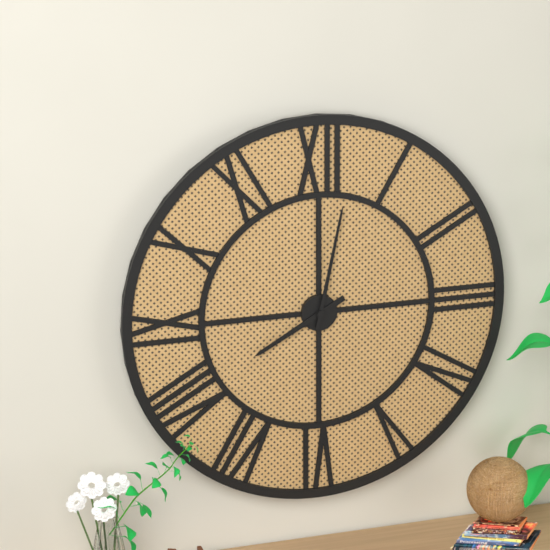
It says 8.02
